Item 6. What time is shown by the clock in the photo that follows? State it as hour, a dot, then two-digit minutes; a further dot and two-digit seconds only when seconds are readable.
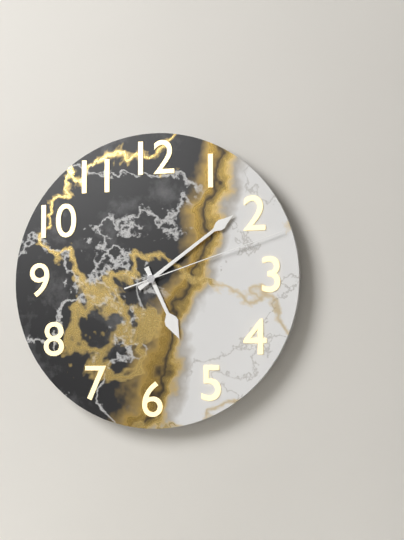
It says 5.09.12
